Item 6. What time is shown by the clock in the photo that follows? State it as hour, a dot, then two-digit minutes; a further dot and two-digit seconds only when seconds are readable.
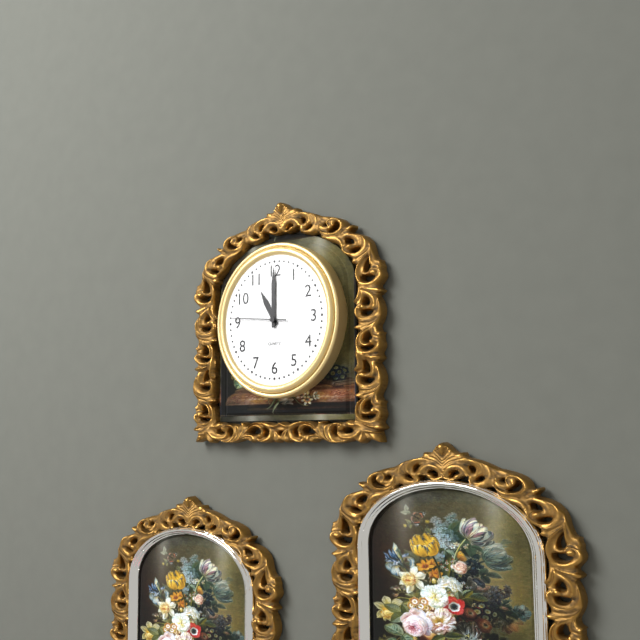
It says 11.00.46
